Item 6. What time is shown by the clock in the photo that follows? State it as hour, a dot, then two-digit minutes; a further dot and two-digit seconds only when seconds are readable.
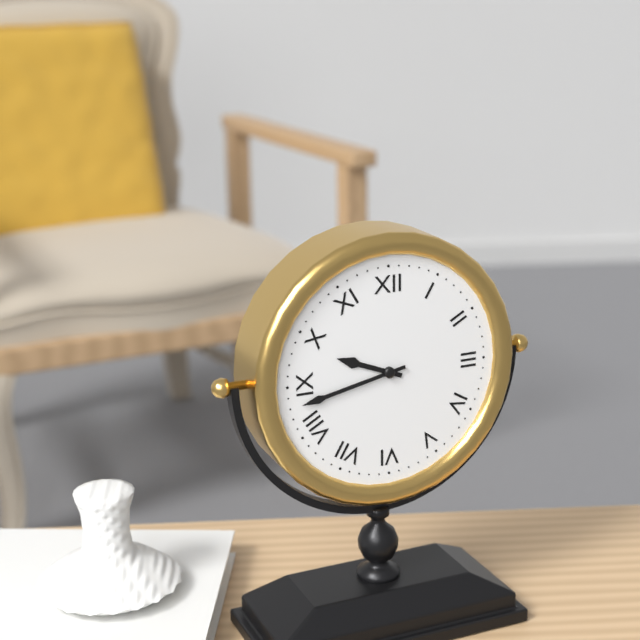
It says 9.43
